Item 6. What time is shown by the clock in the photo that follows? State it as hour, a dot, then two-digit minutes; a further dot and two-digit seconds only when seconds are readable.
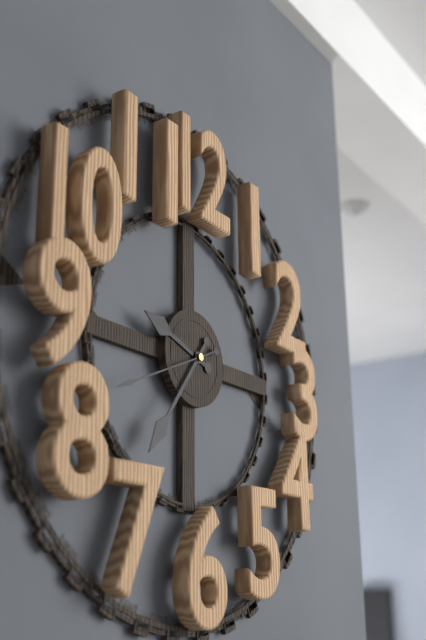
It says 9.36.41
